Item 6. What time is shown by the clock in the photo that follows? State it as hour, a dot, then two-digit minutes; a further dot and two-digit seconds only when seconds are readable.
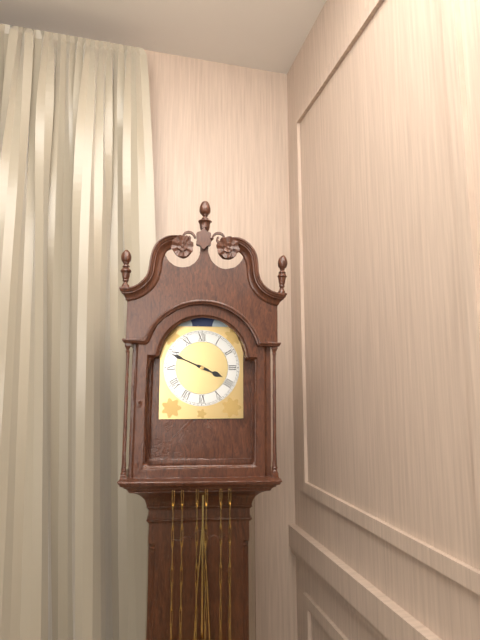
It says 3.49
